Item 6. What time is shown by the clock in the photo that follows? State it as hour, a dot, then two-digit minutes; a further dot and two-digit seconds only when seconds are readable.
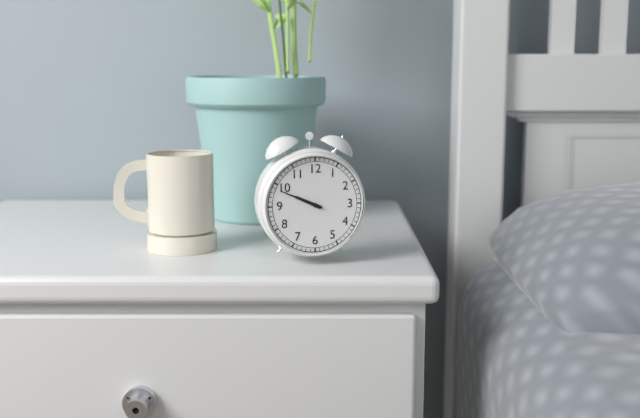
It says 9.49
